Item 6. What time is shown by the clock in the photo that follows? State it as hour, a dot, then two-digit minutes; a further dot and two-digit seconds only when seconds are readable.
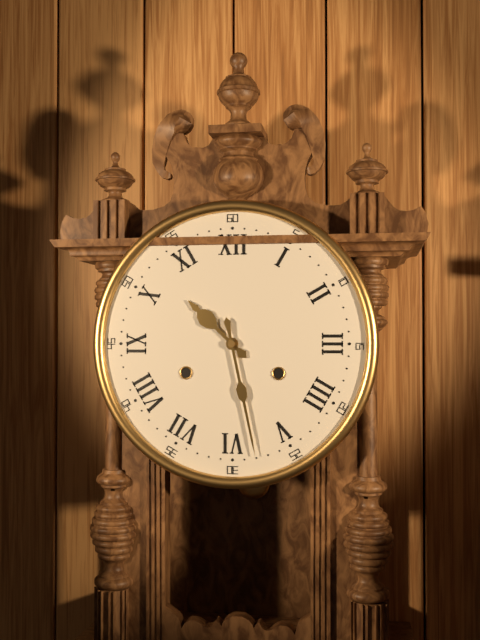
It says 10.28
